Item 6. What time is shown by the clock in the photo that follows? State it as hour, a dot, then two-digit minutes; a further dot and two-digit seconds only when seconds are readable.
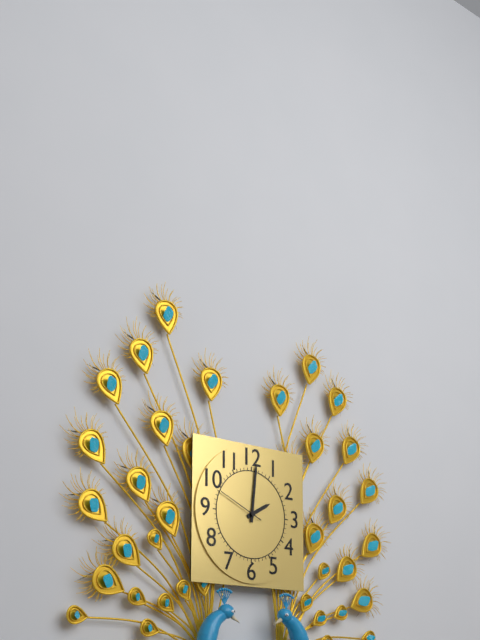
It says 2.01.49
